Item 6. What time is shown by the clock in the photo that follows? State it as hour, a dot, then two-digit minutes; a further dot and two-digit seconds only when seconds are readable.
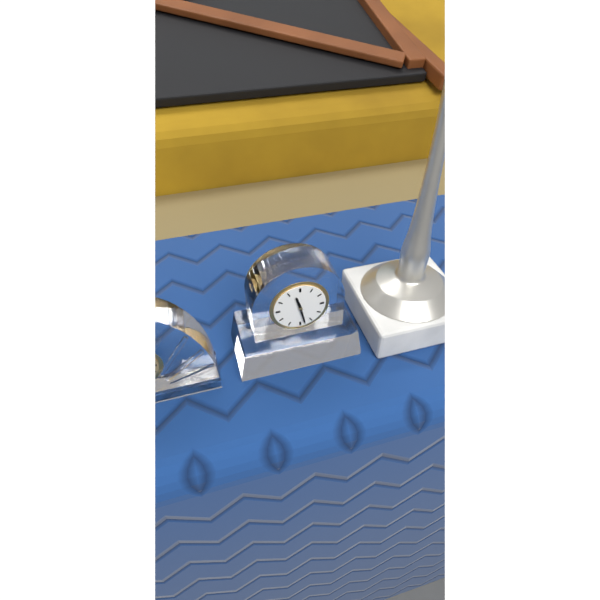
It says 11.28
